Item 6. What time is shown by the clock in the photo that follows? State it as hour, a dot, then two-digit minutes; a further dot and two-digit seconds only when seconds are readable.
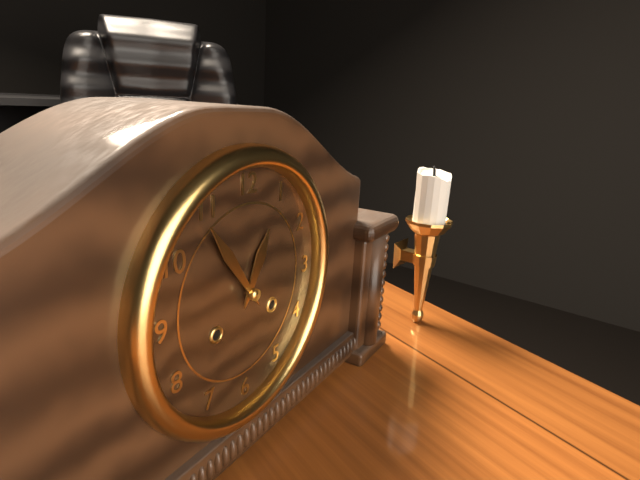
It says 12.54
